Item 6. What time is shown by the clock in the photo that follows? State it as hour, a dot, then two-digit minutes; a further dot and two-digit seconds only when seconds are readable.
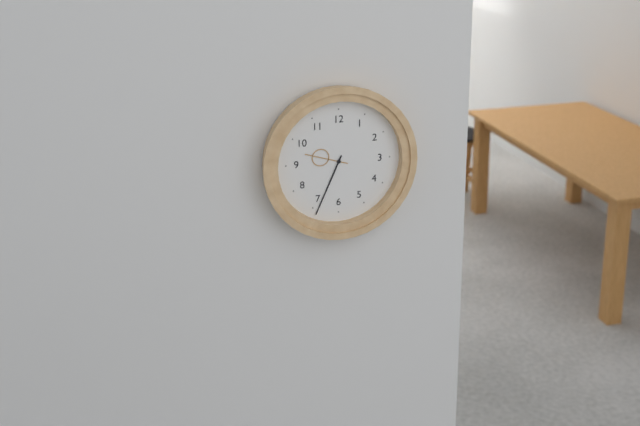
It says 9.34
